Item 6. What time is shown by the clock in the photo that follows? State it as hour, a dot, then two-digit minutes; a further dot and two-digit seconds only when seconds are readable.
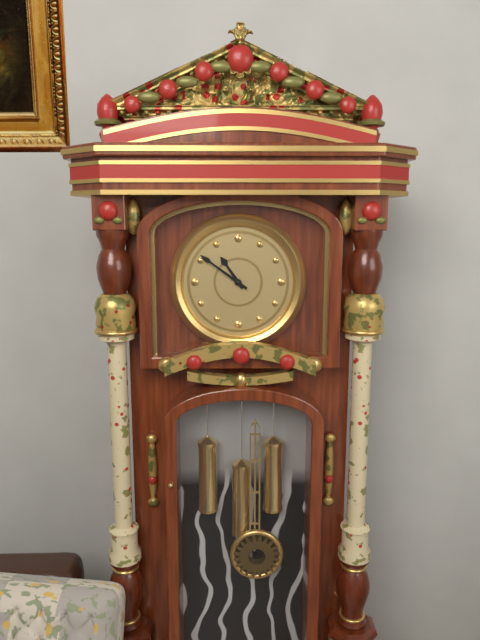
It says 10.51
